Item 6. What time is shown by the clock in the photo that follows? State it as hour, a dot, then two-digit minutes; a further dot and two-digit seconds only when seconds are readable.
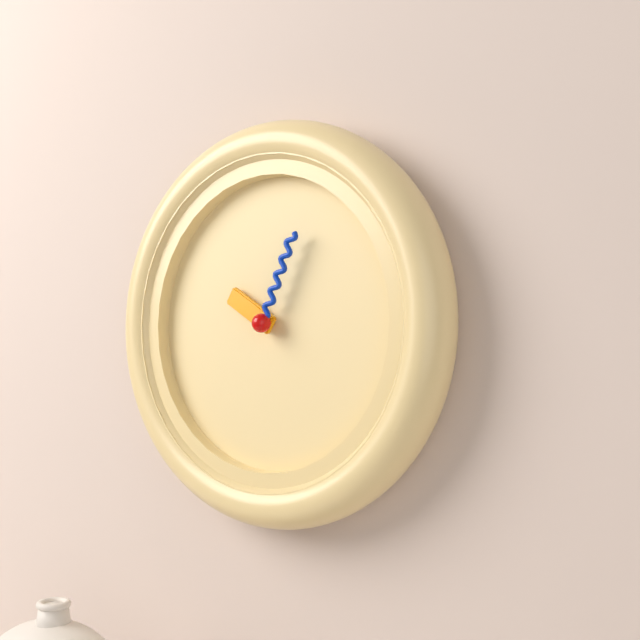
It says 10.04
